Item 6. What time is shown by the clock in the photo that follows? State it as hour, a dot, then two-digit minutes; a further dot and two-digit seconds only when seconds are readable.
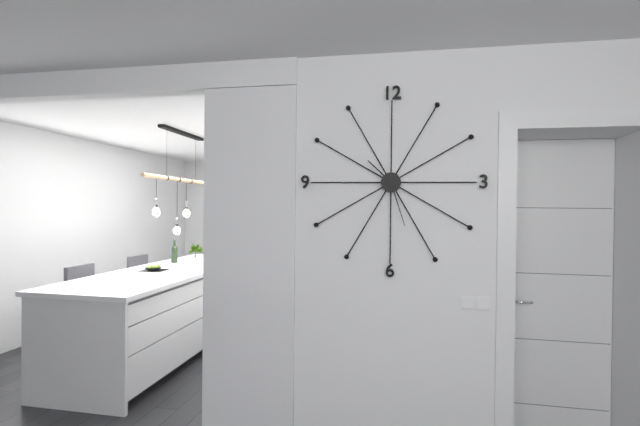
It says 10.27
